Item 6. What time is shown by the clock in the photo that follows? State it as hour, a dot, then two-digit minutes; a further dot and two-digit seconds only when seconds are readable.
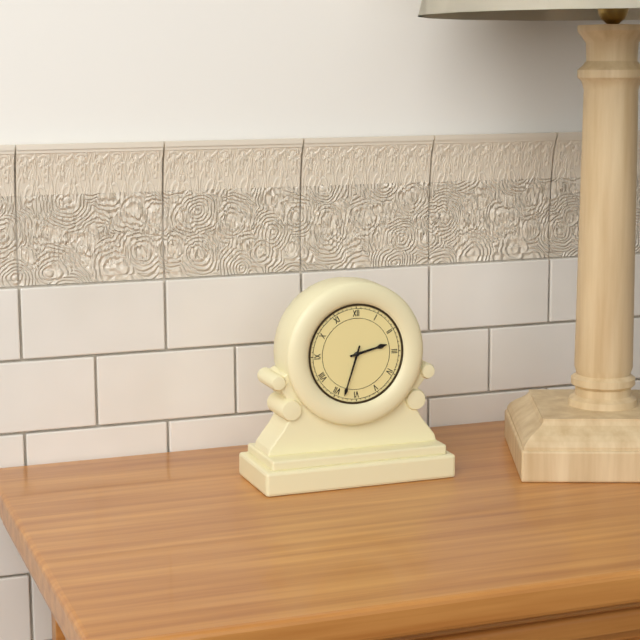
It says 2.33
